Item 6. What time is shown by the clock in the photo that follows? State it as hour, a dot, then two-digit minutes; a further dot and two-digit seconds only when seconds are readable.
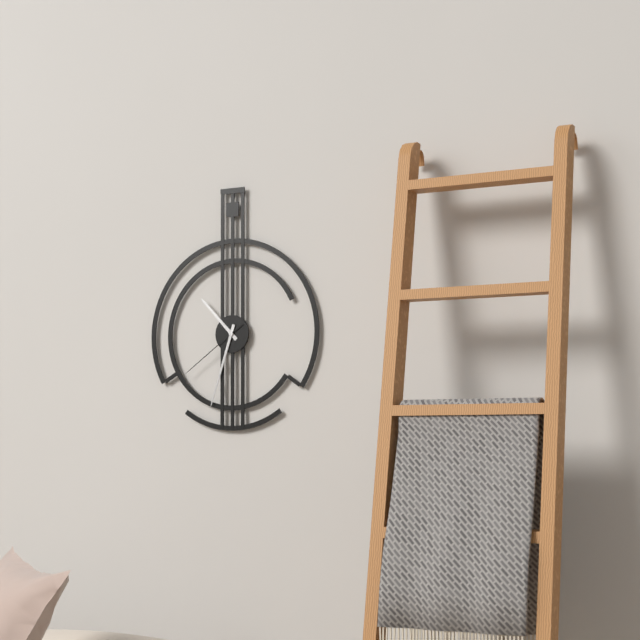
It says 10.33.39
